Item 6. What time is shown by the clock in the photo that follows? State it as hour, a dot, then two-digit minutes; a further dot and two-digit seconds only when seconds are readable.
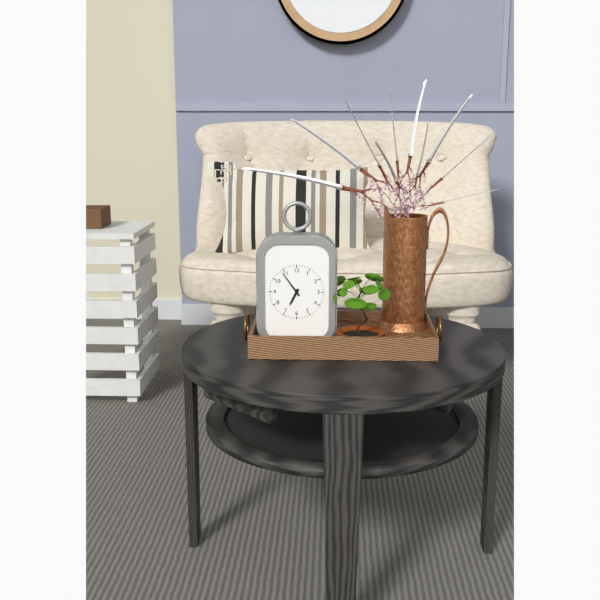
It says 6.54
